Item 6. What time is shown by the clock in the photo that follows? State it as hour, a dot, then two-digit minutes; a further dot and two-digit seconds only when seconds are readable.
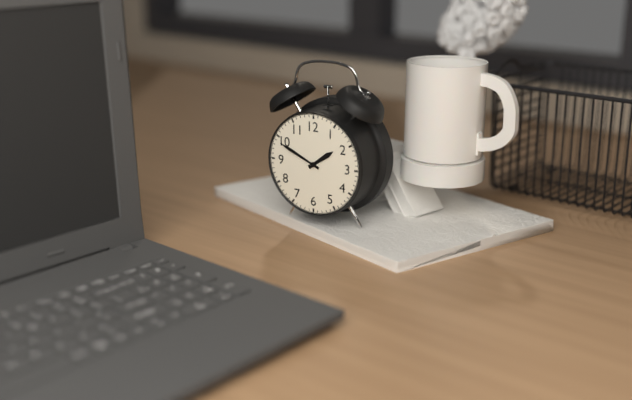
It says 1.49
